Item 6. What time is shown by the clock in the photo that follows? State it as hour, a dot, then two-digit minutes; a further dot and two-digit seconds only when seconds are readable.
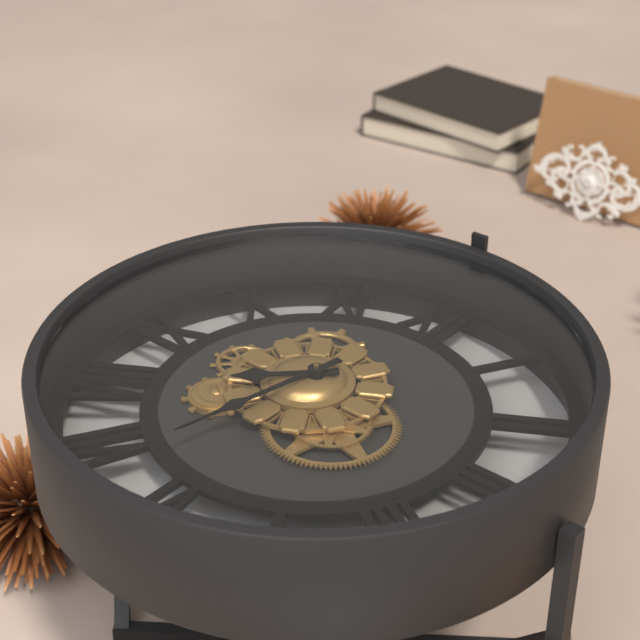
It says 7.32
